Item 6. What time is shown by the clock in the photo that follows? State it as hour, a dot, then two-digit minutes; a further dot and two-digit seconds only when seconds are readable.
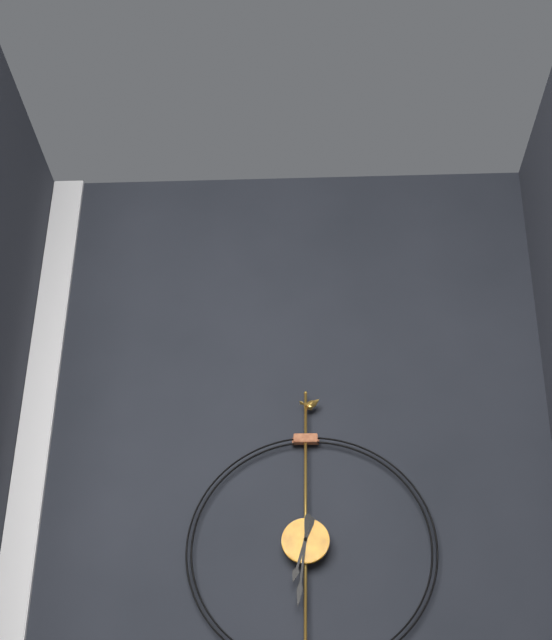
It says 6.31
